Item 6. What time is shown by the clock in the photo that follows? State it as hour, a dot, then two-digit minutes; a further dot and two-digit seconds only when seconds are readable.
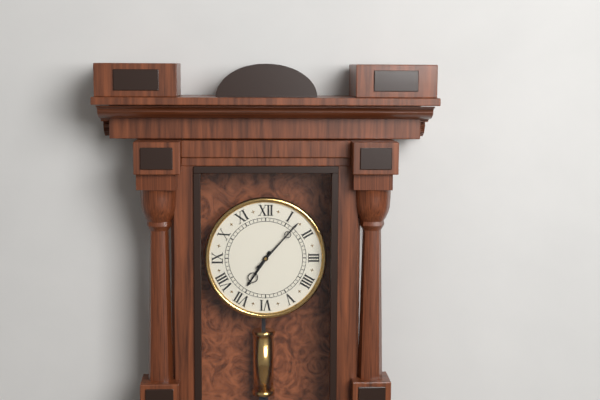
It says 7.07
